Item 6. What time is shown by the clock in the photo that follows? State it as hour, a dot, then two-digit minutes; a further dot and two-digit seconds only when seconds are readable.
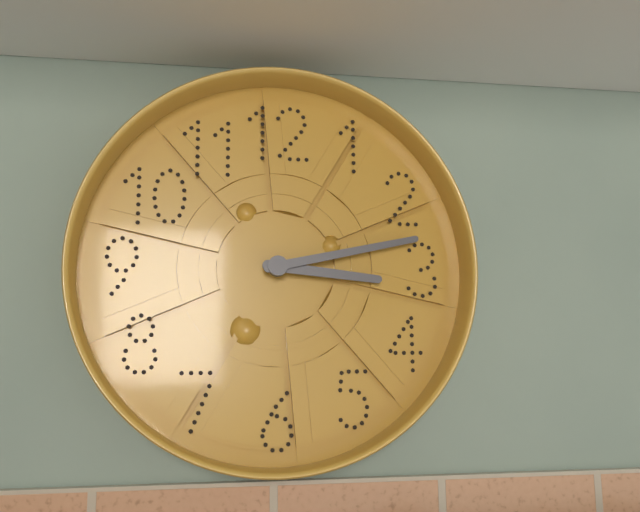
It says 3.13
